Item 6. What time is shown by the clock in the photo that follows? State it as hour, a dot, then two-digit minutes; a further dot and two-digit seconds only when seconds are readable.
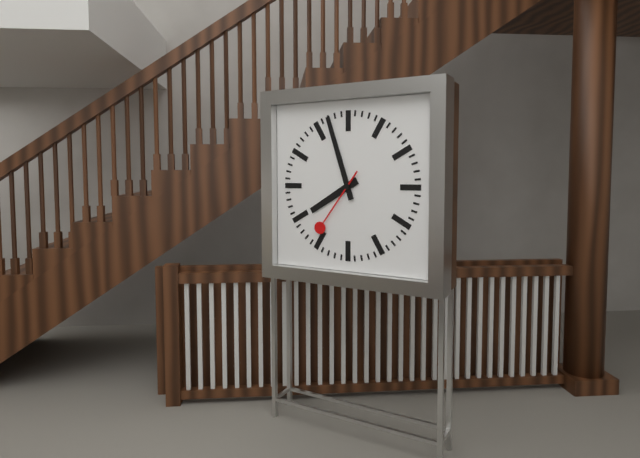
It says 7.57.36
